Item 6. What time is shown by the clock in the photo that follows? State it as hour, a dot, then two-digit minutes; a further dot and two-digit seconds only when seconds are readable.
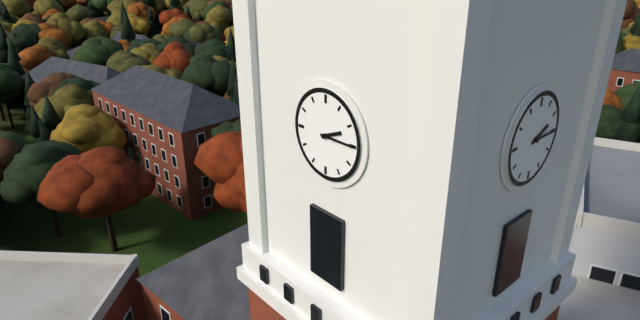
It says 2.15
